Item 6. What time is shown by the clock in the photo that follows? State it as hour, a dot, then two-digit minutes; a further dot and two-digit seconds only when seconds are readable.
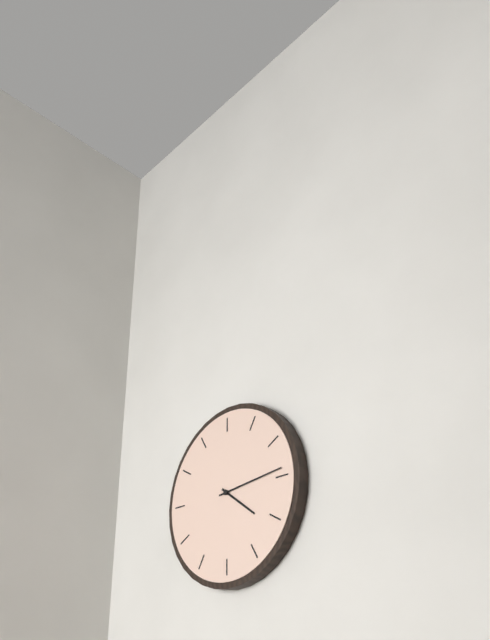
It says 4.14
